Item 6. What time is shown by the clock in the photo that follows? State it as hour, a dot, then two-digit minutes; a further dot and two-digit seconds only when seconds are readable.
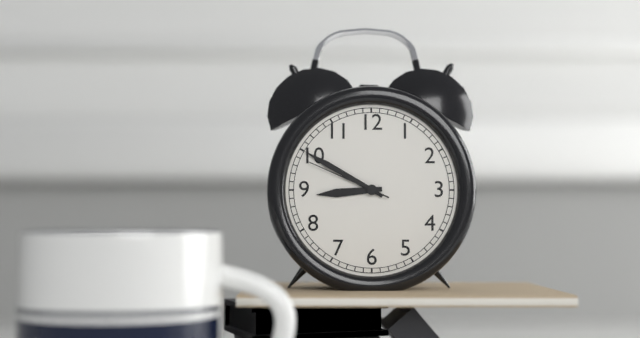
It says 8.50.49
